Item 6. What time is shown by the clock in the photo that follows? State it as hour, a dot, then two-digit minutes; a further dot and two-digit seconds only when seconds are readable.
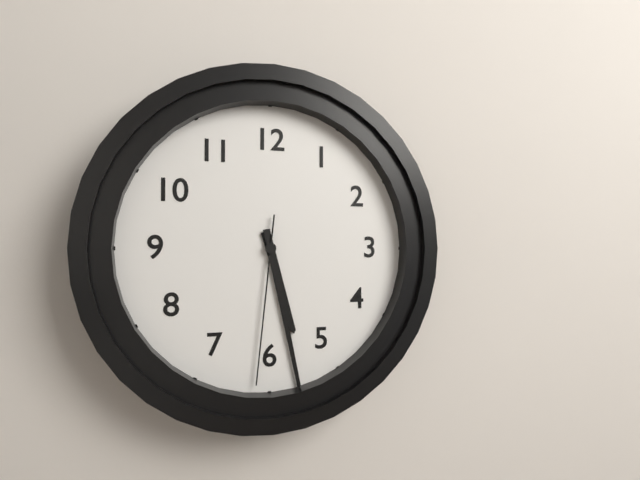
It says 5.28.31
